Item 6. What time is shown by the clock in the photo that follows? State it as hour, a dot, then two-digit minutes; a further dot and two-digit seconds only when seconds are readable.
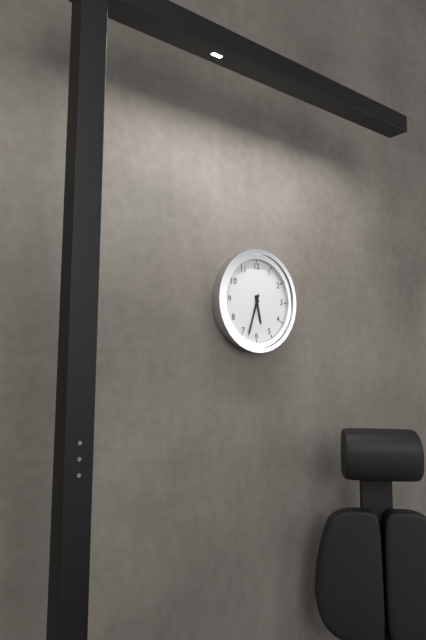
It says 5.33
